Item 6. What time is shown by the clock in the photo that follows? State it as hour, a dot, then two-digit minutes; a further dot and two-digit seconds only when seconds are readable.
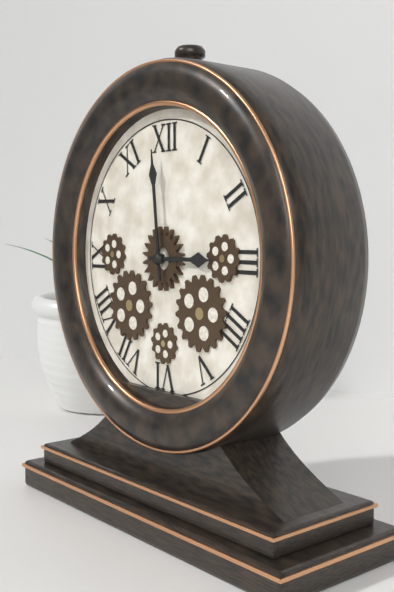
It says 2.59
